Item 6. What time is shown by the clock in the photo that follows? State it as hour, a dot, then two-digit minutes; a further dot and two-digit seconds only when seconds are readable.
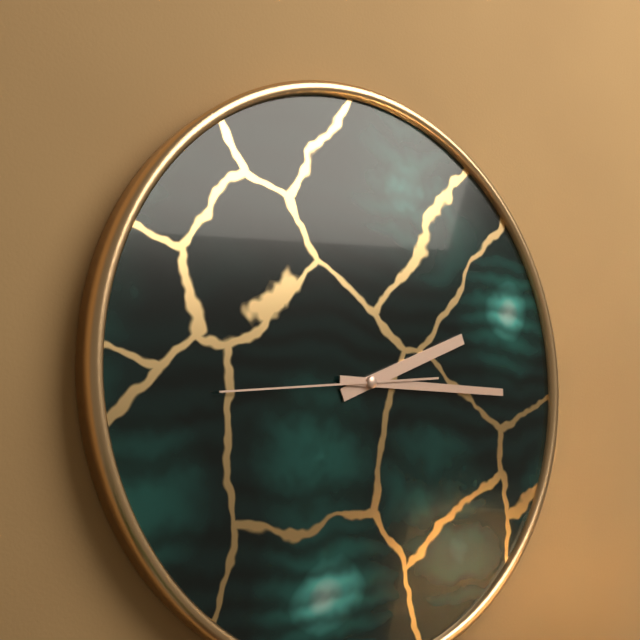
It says 2.15.44
